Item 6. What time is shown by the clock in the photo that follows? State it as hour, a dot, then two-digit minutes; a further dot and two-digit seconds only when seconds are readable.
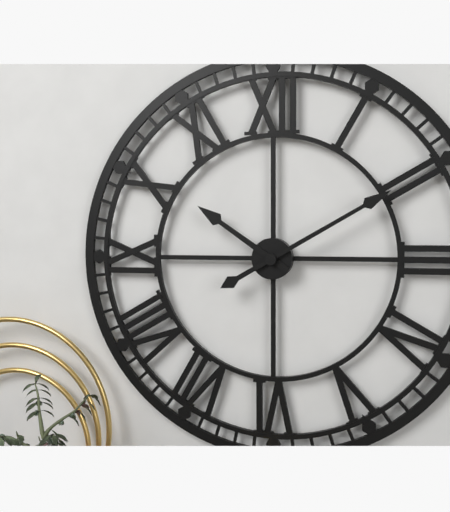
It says 10.10
